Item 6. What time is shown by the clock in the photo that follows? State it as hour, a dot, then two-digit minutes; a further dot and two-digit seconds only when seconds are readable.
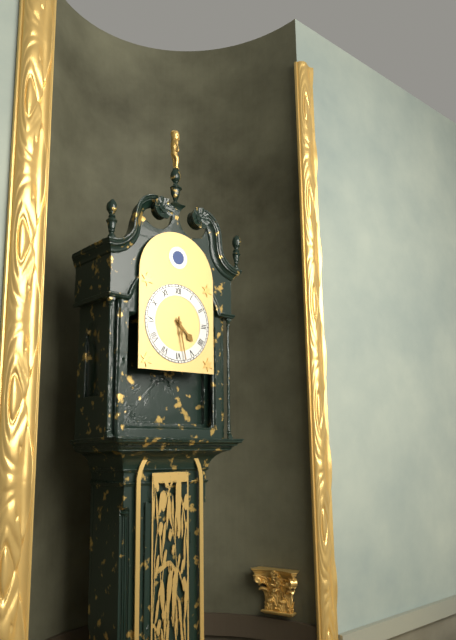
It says 4.28
